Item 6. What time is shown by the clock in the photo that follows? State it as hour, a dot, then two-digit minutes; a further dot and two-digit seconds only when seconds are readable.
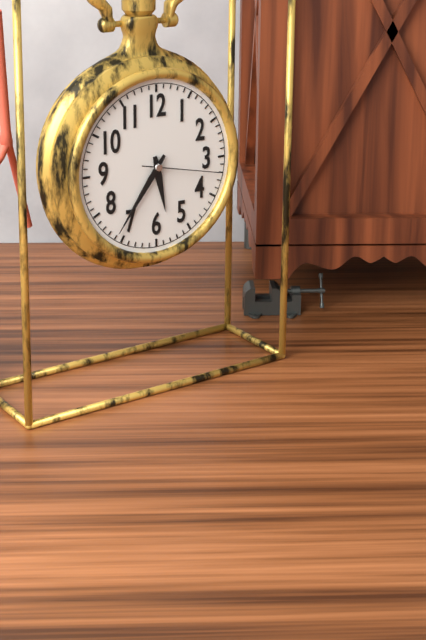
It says 5.36.17
